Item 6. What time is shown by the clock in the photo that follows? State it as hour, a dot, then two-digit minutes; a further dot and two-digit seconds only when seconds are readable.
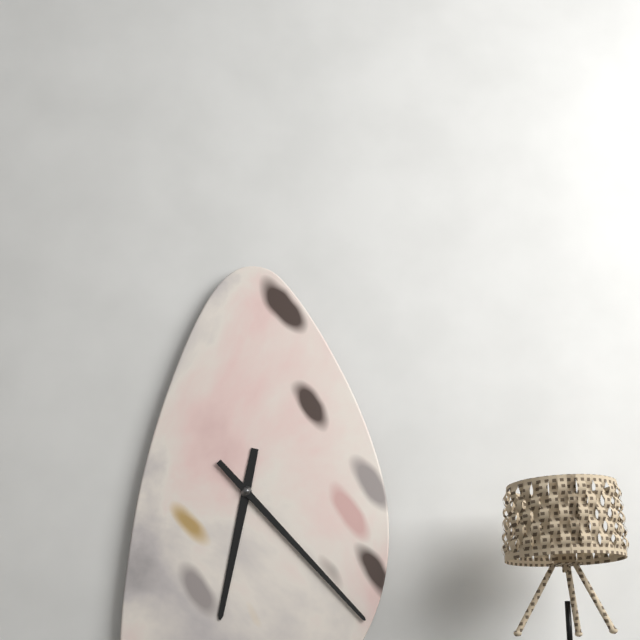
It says 6.23
